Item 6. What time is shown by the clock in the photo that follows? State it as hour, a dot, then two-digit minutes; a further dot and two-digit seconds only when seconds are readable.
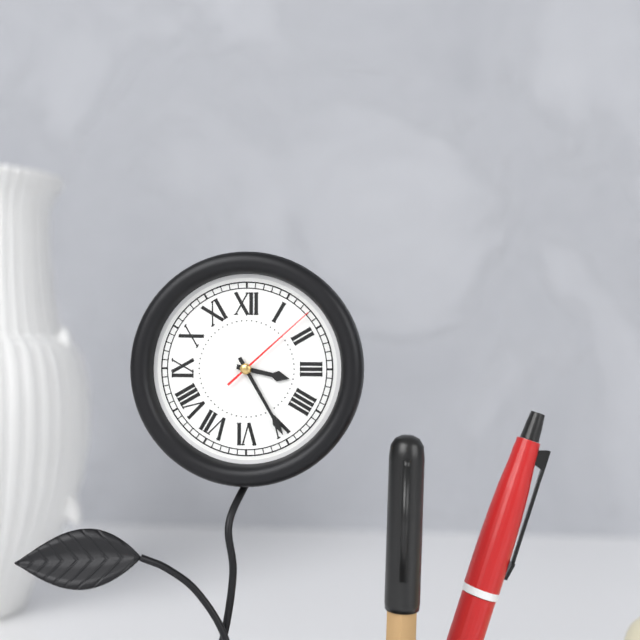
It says 3.25.08
